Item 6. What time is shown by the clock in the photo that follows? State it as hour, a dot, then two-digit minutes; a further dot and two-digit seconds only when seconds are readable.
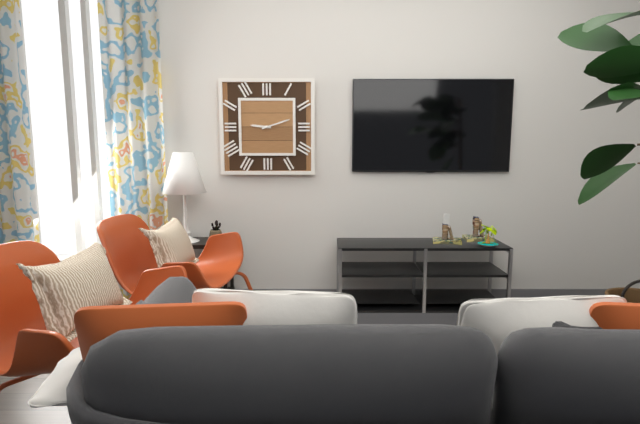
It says 9.12
